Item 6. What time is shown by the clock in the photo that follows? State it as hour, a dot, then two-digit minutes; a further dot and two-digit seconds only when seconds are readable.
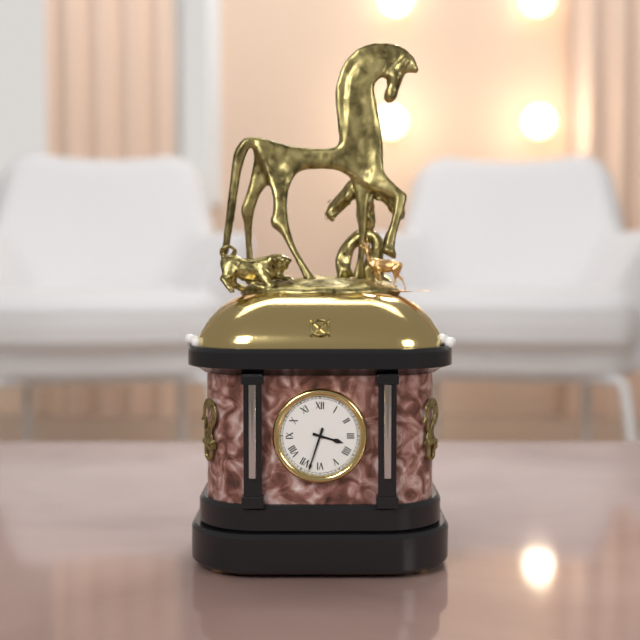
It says 3.33
